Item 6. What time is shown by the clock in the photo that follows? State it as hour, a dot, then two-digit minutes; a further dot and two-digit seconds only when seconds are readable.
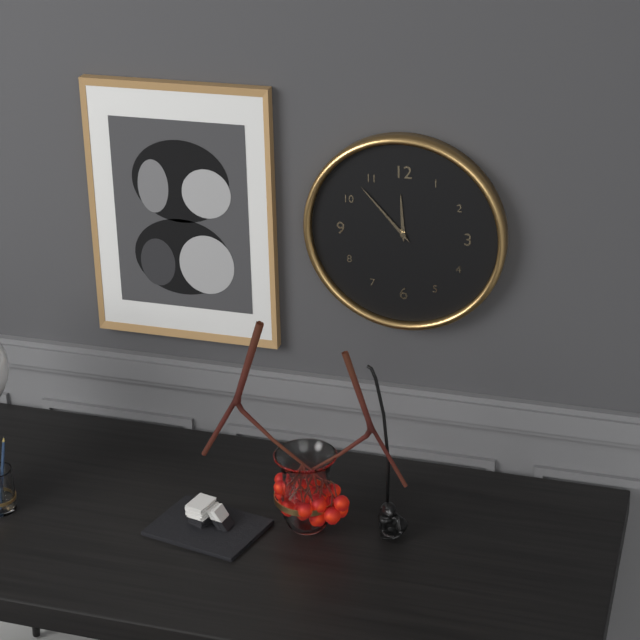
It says 11.53
